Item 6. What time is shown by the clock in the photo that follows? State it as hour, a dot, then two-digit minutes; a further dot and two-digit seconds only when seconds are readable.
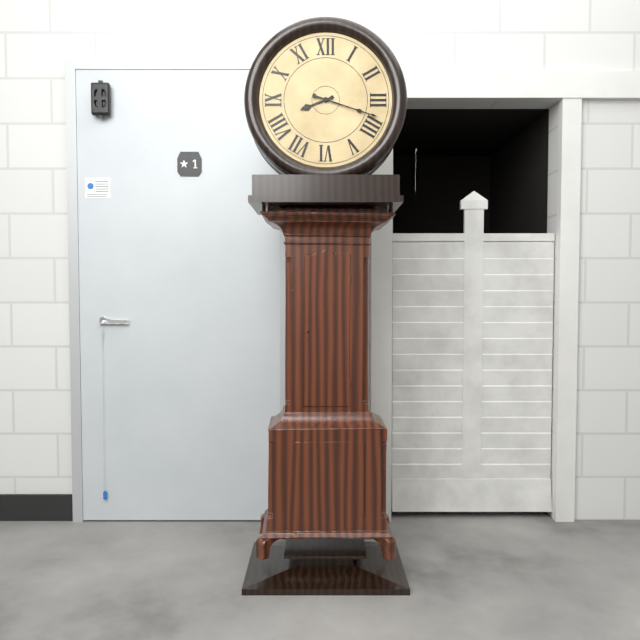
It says 8.18
